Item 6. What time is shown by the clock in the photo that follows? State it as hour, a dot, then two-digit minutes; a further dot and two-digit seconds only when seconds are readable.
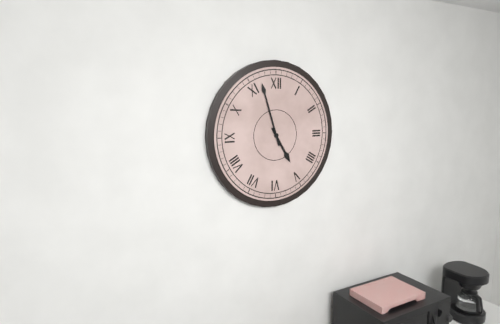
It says 4.57
